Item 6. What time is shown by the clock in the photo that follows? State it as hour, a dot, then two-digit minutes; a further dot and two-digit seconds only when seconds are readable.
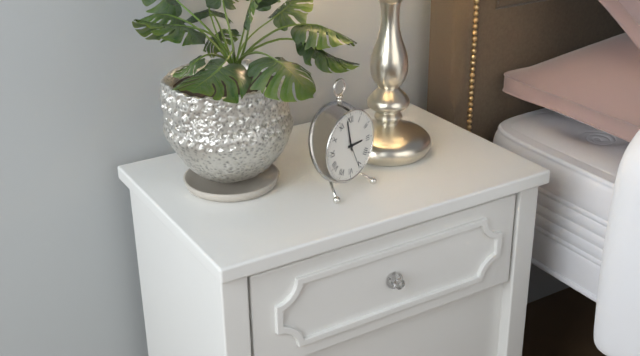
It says 2.58
